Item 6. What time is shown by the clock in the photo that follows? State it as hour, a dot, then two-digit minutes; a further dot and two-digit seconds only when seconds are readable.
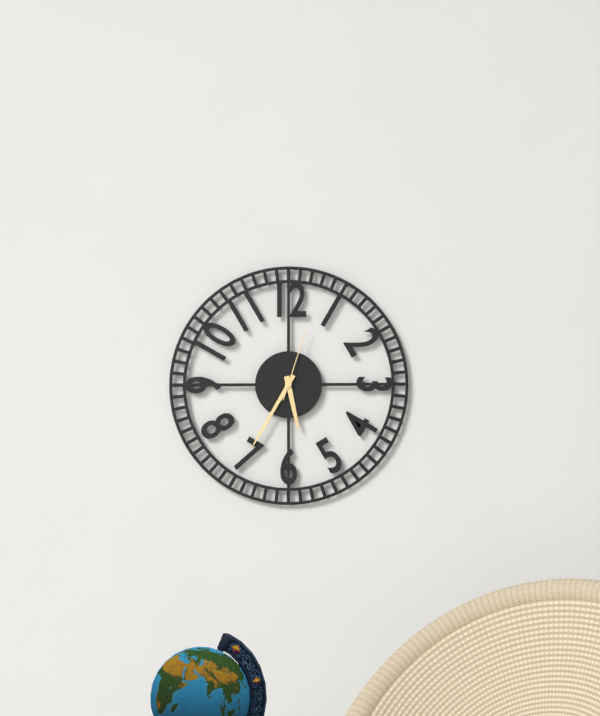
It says 5.35.03
